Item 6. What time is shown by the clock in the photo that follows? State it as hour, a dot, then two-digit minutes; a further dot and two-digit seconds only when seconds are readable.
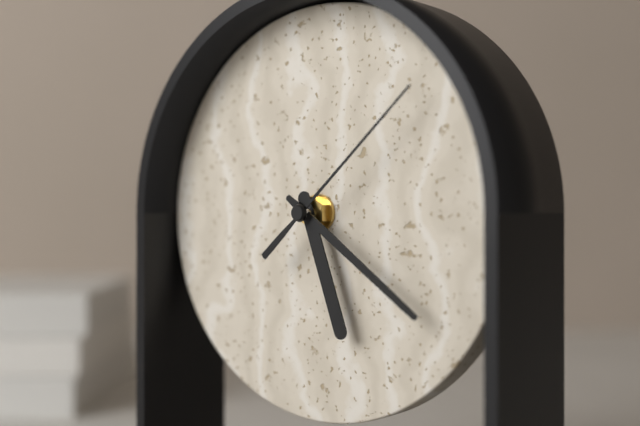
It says 5.21.08
